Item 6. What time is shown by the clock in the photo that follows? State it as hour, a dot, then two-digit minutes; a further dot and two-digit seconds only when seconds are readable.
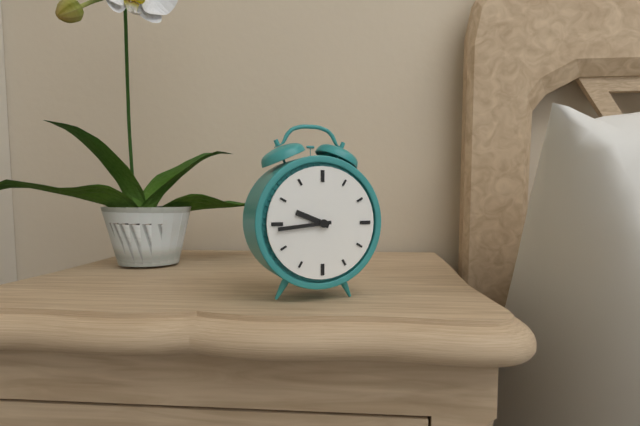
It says 9.44
